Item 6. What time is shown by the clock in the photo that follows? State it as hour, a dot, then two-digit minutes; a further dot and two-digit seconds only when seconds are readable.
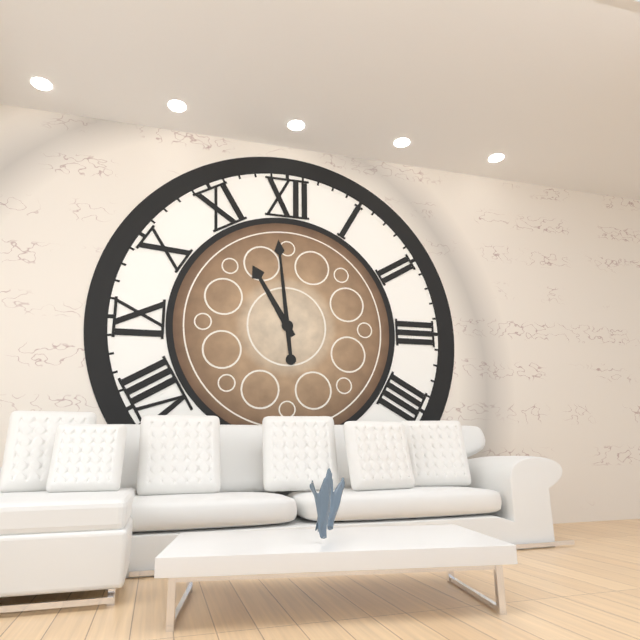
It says 10.59
